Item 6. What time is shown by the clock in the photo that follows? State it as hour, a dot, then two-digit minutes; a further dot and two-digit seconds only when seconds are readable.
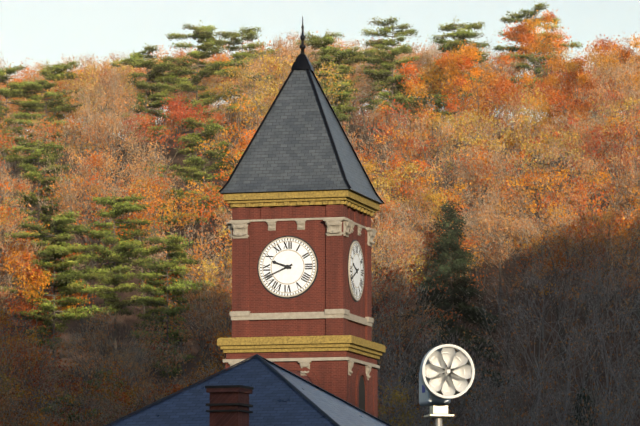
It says 9.41
